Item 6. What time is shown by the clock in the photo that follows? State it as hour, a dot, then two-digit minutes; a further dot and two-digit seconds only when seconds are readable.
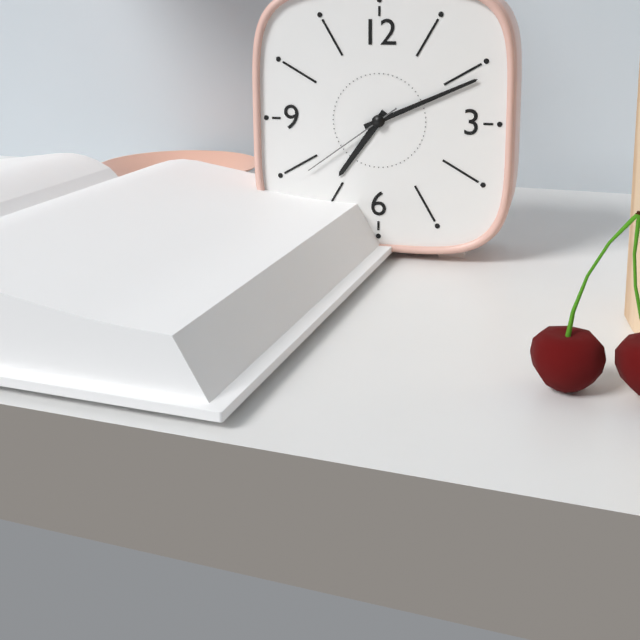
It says 7.11.39
